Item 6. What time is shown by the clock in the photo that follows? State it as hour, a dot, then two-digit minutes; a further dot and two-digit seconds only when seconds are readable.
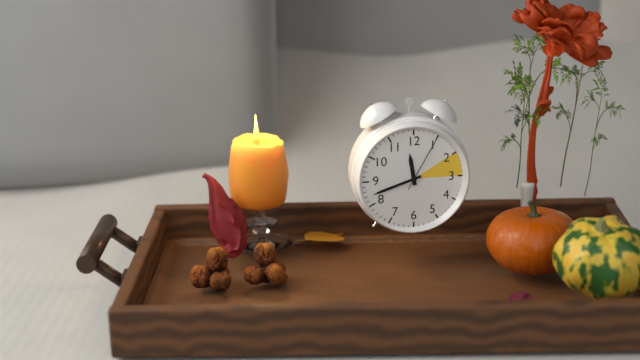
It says 11.42.05
